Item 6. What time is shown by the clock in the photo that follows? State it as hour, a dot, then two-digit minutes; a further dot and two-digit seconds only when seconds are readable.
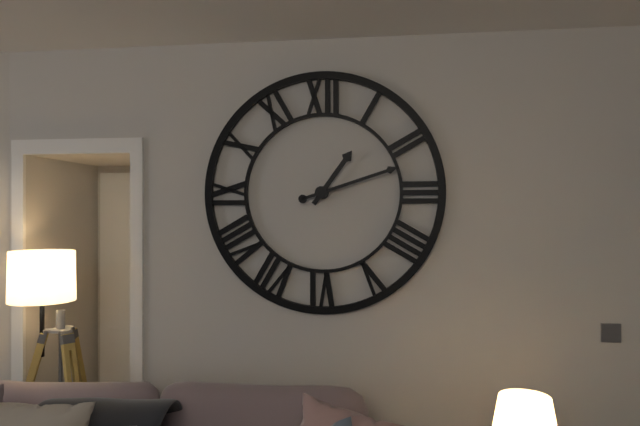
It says 1.12
